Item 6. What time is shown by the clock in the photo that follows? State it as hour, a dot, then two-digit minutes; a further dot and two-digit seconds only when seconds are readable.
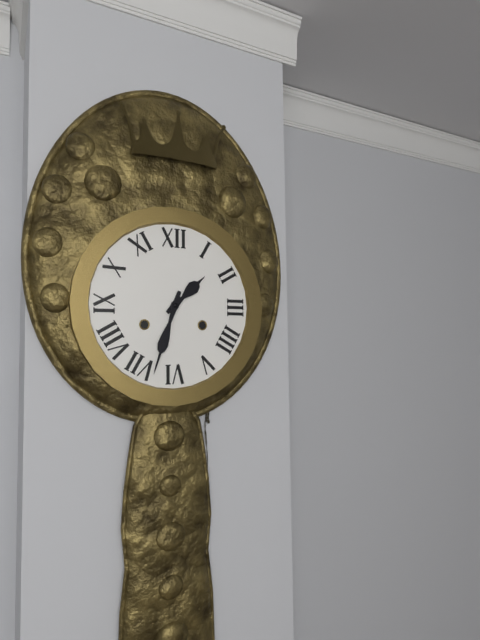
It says 1.33
